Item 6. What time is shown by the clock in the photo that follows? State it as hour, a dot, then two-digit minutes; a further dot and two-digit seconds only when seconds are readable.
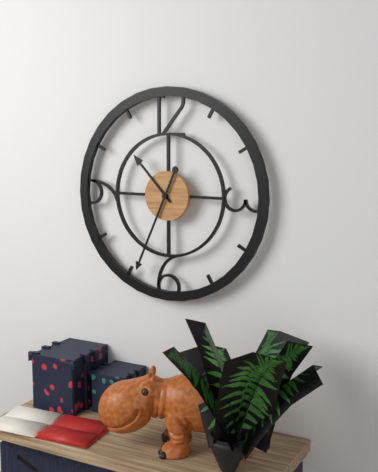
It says 10.34
